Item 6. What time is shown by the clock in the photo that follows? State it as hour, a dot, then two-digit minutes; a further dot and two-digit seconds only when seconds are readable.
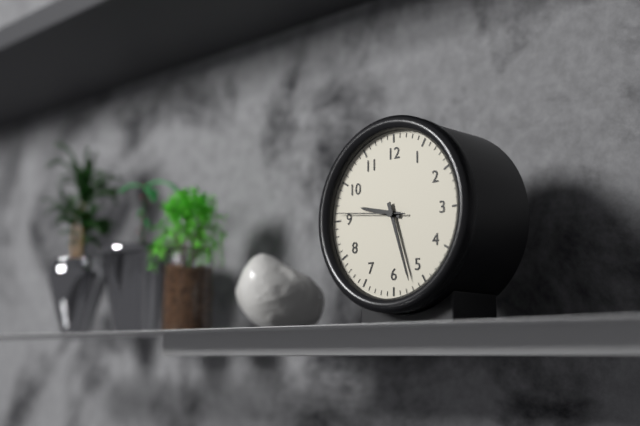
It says 9.27.46
